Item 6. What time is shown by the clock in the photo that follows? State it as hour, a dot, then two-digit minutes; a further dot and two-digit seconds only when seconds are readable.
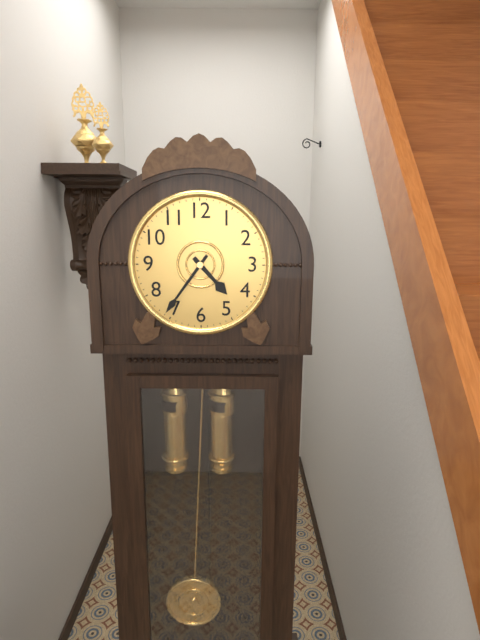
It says 4.36
